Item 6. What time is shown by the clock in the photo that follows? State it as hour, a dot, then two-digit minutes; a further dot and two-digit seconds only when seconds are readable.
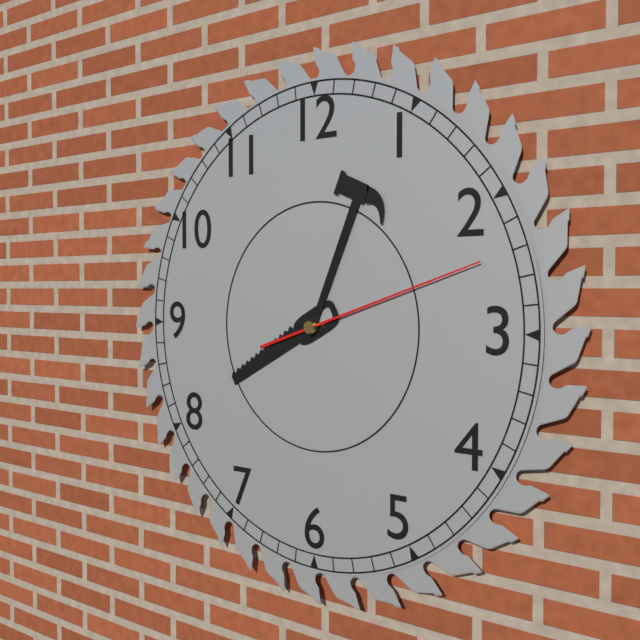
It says 8.04.12
